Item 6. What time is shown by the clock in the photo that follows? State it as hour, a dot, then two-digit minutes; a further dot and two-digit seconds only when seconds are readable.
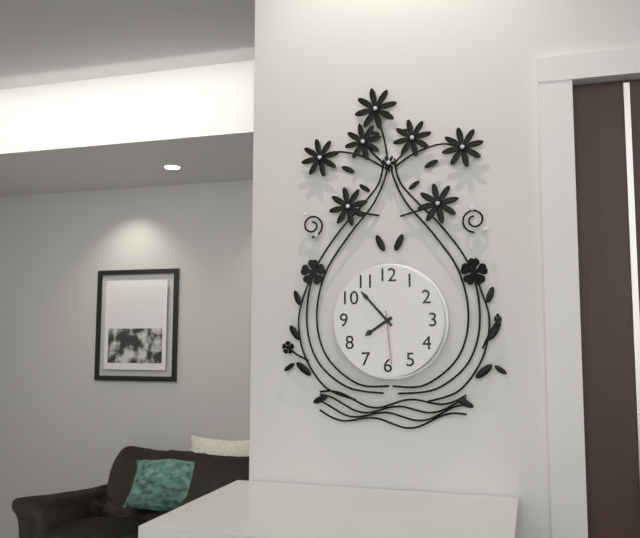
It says 7.53.29
